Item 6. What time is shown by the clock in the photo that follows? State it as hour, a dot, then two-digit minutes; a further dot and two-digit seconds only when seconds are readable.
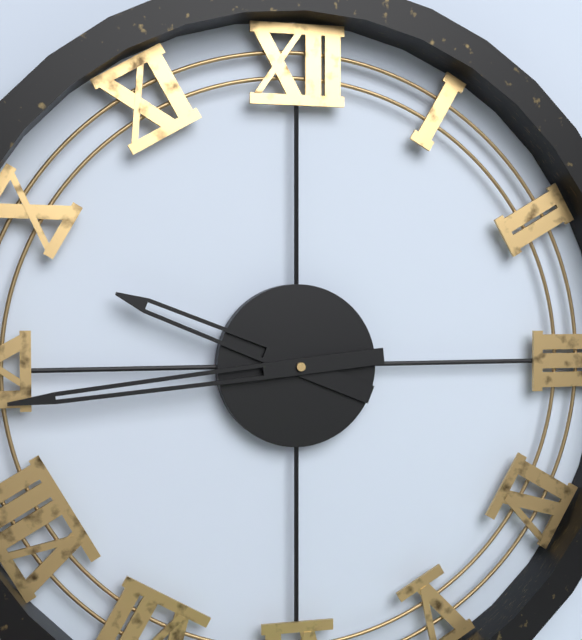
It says 9.44
